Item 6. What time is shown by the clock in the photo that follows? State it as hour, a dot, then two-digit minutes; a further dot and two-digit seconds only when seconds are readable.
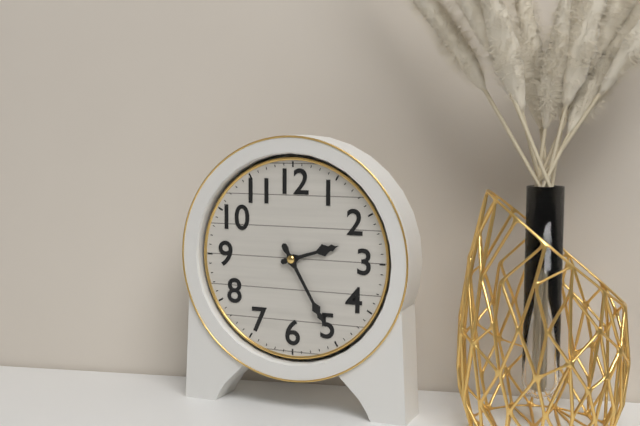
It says 2.25
